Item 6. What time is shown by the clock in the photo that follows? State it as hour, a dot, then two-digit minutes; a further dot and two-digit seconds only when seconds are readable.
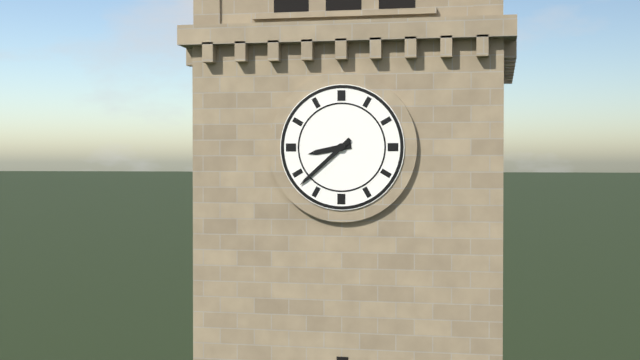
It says 8.38
